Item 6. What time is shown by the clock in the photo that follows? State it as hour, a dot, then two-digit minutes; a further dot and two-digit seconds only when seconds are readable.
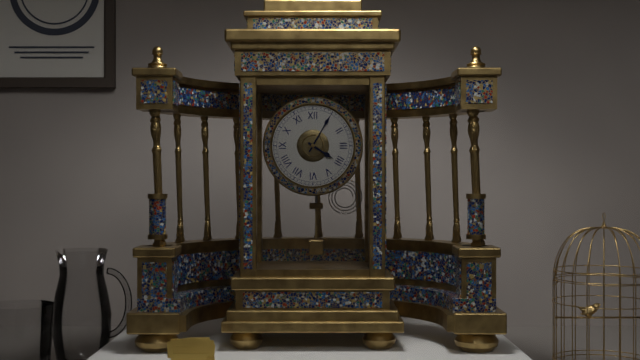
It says 4.05
